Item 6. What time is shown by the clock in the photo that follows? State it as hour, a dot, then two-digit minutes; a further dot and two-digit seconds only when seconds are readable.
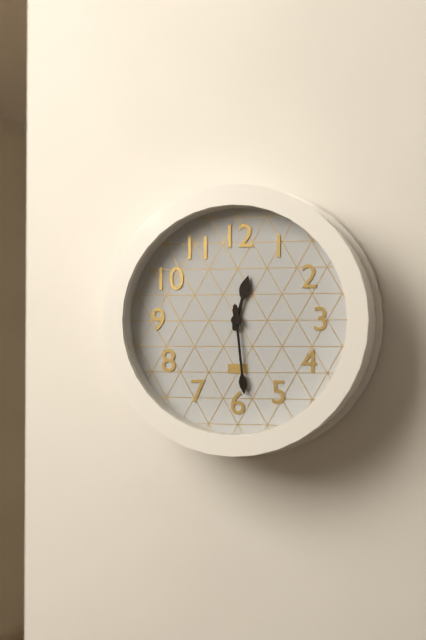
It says 12.29
